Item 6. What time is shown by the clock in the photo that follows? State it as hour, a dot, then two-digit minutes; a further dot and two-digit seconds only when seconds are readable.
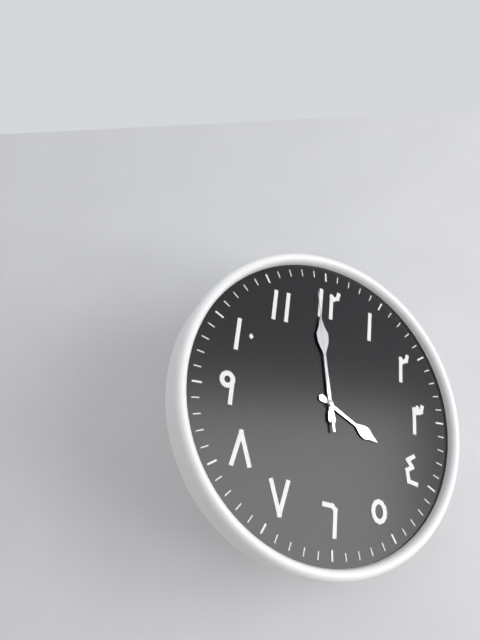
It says 3.59.59
